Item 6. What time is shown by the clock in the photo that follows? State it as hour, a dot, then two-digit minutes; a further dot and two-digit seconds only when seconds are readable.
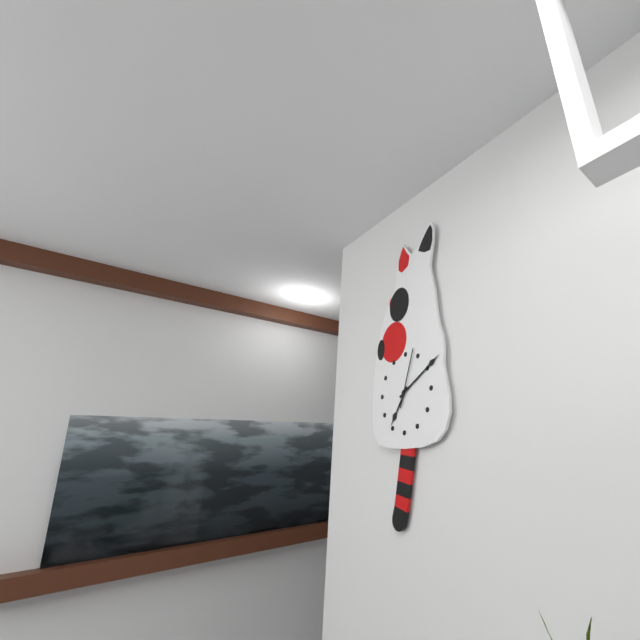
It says 7.10.03
